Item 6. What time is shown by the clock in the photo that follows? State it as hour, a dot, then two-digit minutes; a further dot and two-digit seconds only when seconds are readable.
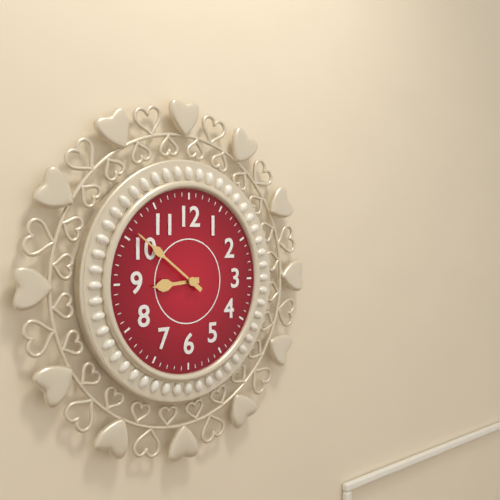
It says 8.51
